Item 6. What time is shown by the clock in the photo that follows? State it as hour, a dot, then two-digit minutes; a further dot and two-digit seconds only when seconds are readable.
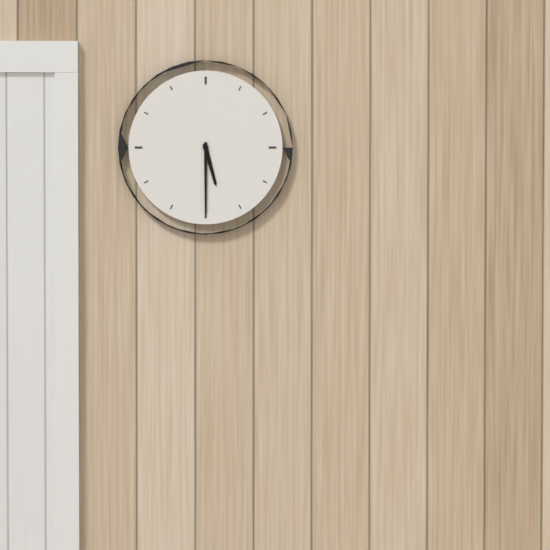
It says 5.30
